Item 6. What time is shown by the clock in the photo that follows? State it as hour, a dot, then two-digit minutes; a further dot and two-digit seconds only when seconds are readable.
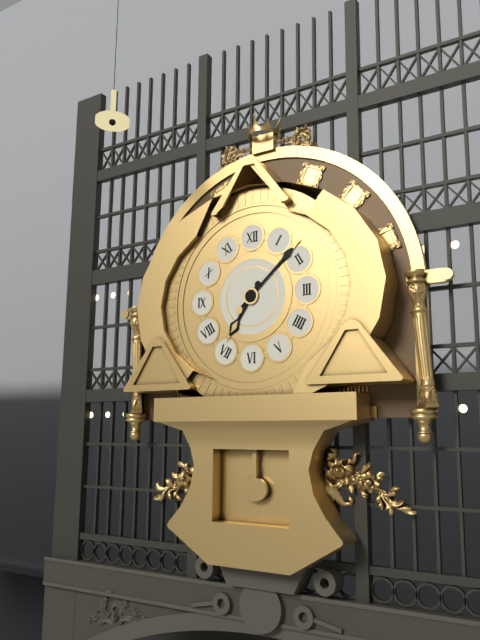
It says 7.08
